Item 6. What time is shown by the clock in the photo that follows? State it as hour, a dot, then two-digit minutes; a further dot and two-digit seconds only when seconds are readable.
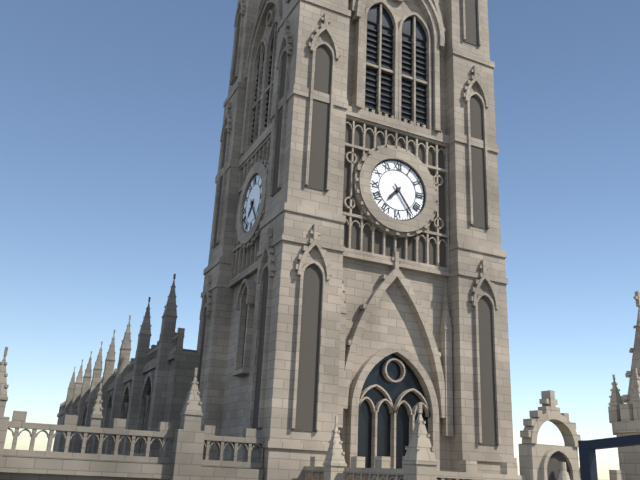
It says 7.24
